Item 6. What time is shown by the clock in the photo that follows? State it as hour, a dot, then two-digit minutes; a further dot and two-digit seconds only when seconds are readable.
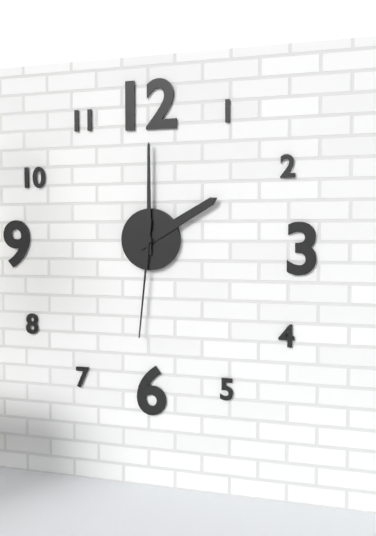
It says 2.00.31
